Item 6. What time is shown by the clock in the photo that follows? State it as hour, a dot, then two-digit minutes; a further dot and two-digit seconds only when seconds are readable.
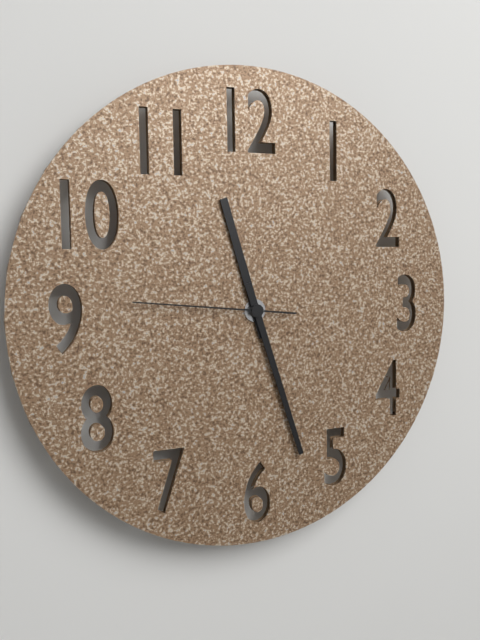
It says 11.27.46
